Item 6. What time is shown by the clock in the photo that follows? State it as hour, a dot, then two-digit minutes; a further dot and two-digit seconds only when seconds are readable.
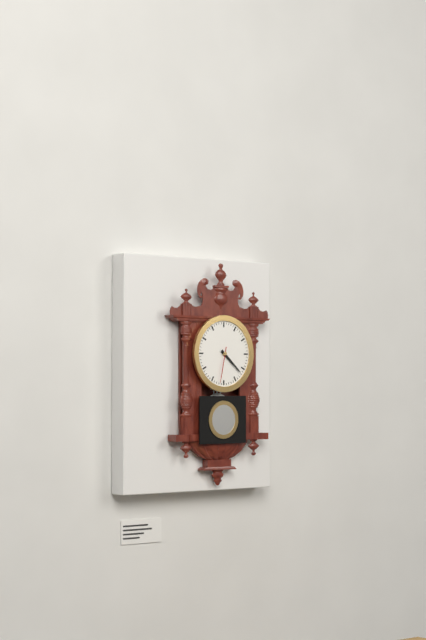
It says 4.22
